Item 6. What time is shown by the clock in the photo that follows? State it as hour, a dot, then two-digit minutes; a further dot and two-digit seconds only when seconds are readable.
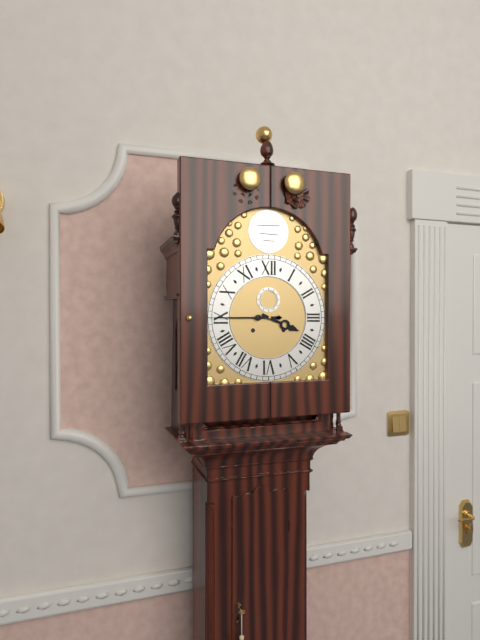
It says 3.45
